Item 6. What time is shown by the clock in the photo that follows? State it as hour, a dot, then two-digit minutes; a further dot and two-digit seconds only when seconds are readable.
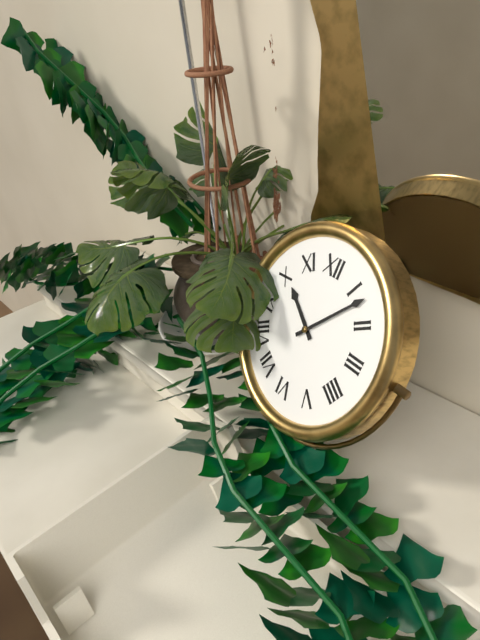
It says 10.07
